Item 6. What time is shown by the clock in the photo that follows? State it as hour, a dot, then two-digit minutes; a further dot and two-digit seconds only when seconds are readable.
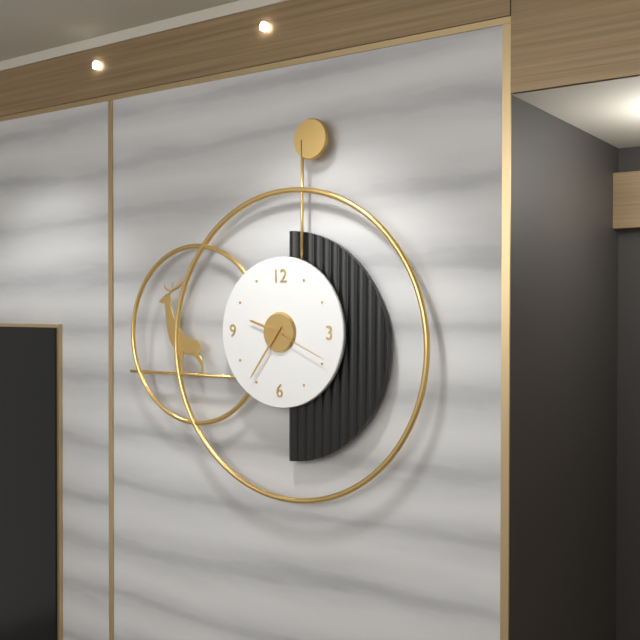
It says 9.36.19
